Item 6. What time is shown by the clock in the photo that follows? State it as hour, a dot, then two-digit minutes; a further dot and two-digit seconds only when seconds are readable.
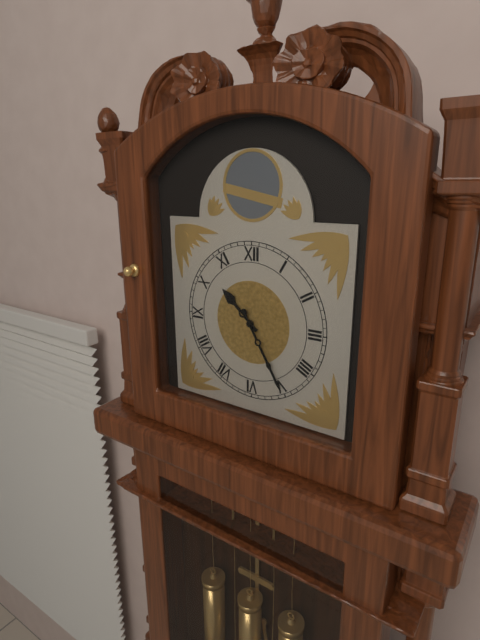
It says 10.25
